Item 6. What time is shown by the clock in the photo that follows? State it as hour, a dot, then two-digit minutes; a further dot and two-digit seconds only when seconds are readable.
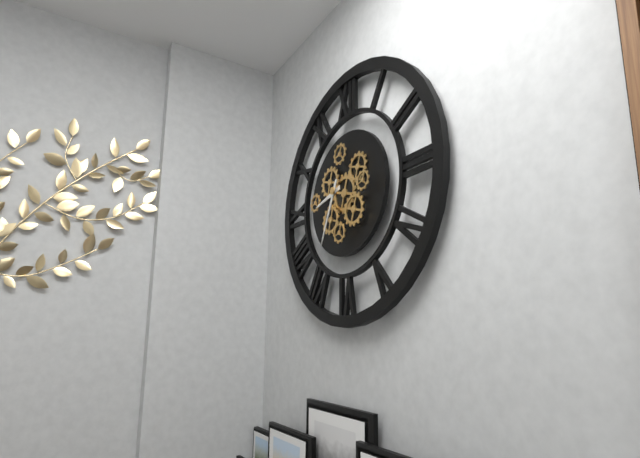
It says 8.34
